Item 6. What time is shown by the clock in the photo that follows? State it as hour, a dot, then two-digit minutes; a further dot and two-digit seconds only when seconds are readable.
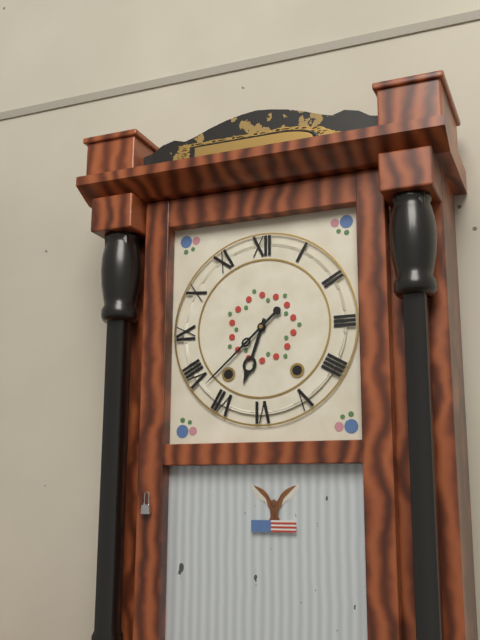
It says 6.38
